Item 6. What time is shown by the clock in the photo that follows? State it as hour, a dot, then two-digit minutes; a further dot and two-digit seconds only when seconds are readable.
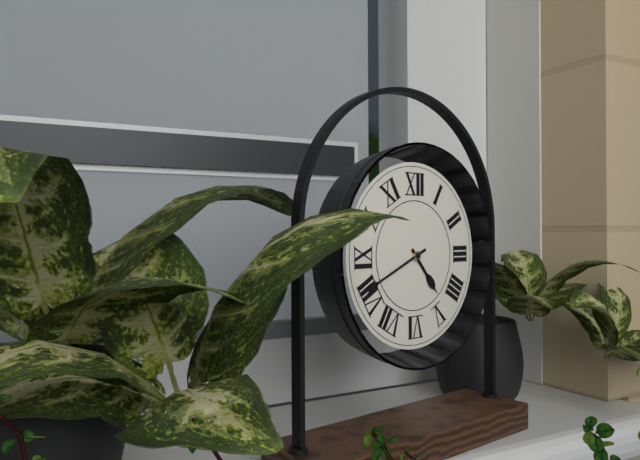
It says 4.41
